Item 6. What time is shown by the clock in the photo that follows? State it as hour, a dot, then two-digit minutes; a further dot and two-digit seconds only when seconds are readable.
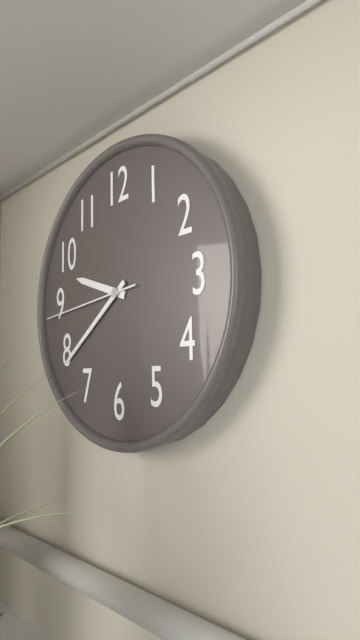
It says 9.39.44
